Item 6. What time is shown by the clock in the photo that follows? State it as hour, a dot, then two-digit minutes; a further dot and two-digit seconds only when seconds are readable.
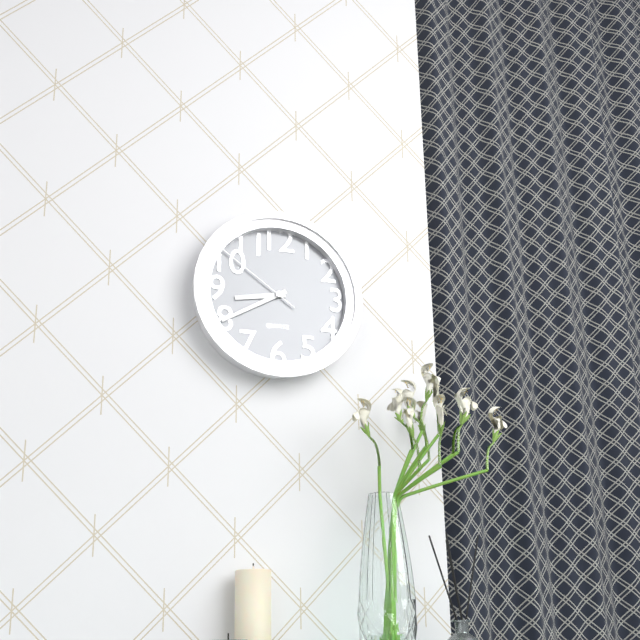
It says 8.40.51
